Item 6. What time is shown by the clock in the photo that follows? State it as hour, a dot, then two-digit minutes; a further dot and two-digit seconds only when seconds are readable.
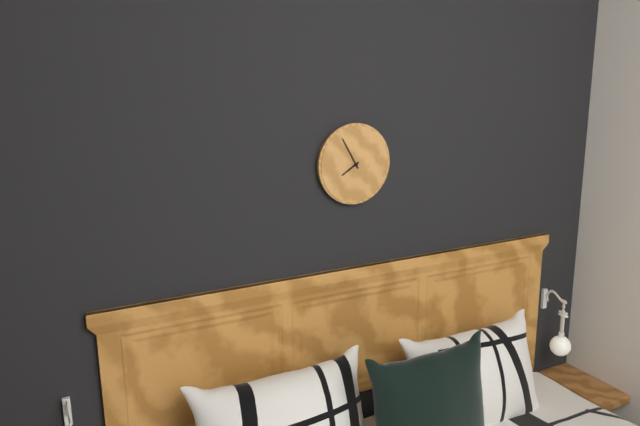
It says 7.55
